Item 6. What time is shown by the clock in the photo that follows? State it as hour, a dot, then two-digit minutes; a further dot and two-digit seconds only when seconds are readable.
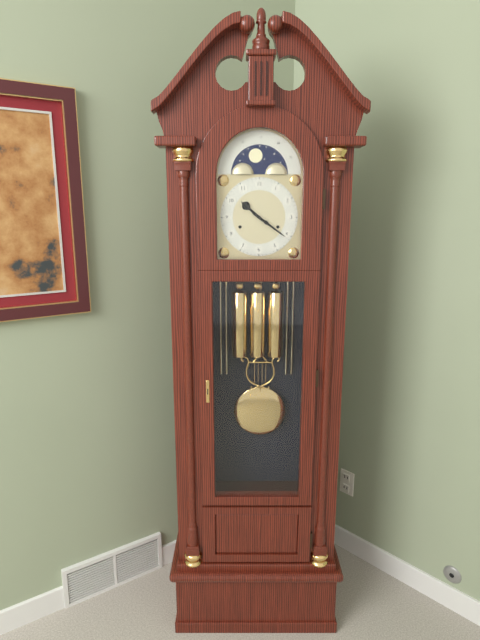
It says 10.21
